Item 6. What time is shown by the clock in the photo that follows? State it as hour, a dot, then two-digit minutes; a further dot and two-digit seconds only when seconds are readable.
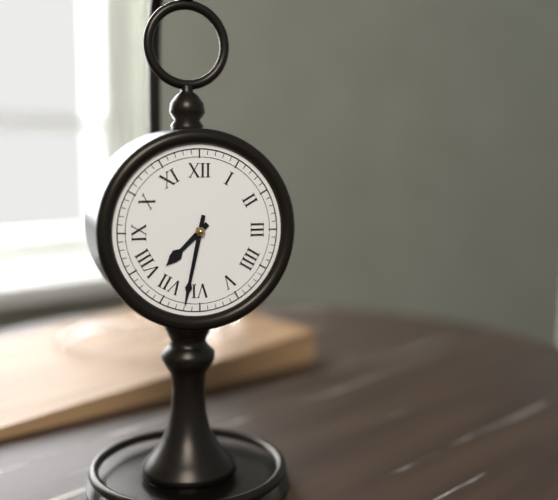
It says 7.32
